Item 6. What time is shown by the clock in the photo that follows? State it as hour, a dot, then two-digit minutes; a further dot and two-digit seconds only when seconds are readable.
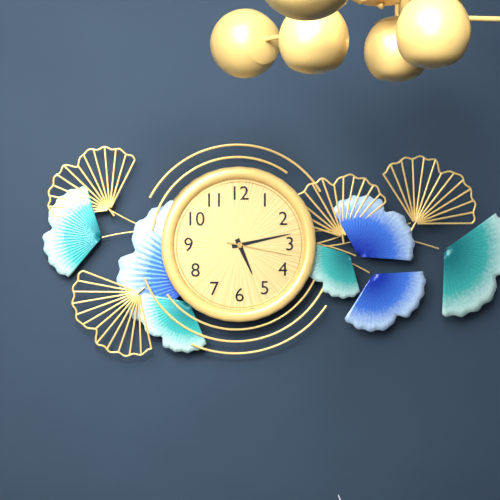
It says 5.13.17
